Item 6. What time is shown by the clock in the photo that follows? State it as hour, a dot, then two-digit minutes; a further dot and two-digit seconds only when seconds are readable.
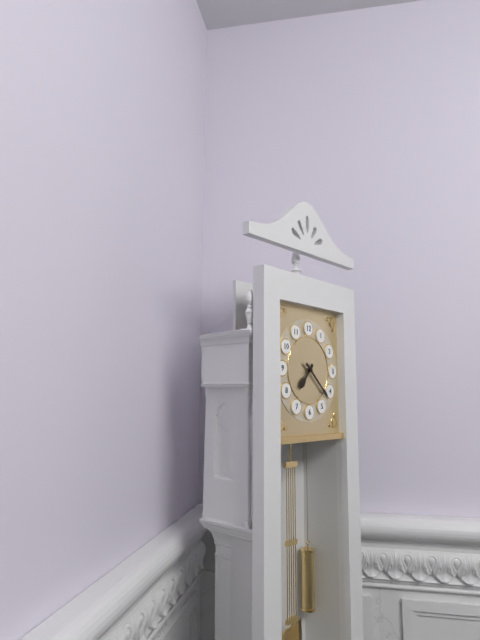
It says 7.22
